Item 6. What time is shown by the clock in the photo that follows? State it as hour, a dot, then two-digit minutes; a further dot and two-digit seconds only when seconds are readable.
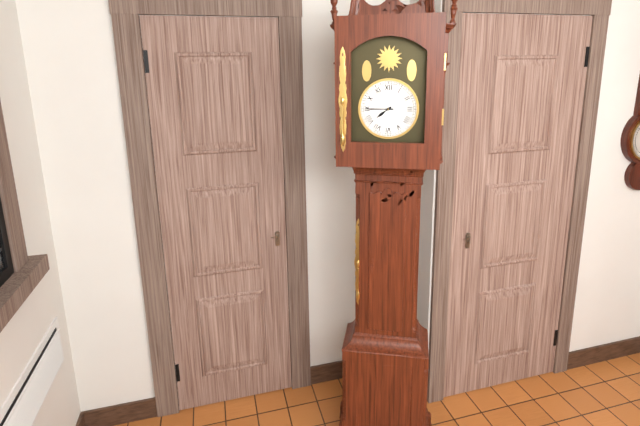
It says 7.45
